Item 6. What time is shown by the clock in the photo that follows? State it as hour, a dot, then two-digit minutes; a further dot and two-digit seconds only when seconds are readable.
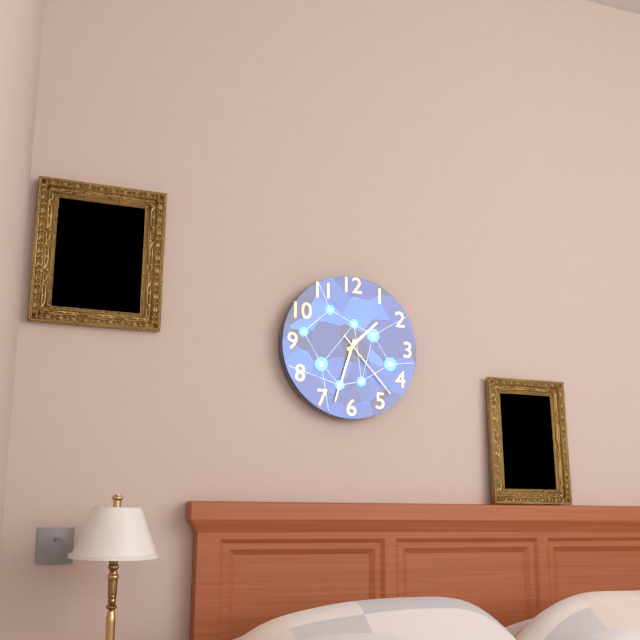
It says 1.33.23
